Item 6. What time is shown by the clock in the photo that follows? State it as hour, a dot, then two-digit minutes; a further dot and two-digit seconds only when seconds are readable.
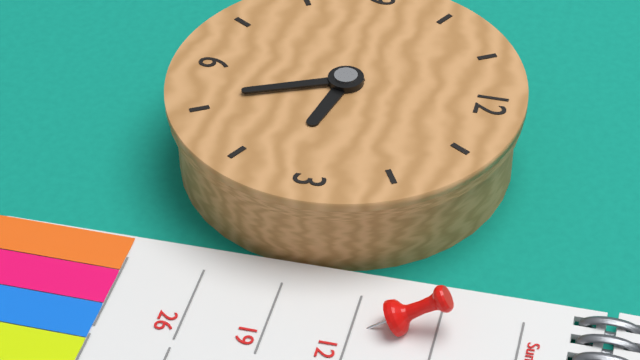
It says 3.26
